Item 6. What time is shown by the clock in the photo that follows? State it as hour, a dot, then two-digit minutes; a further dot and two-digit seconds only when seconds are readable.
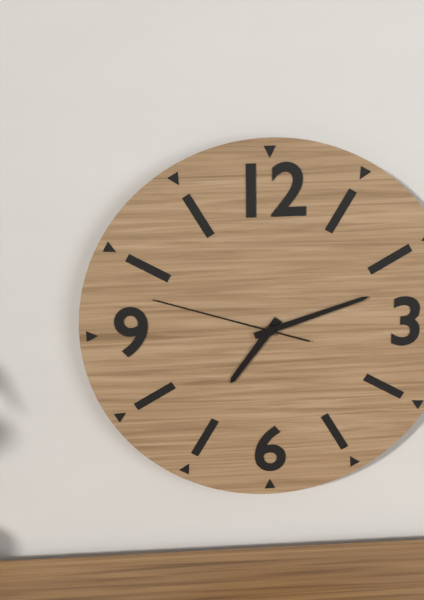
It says 7.12.48
